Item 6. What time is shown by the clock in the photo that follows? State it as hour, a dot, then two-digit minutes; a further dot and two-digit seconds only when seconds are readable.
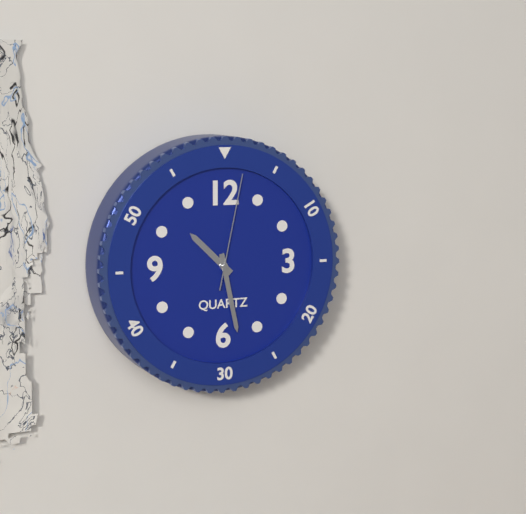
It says 10.28.02
